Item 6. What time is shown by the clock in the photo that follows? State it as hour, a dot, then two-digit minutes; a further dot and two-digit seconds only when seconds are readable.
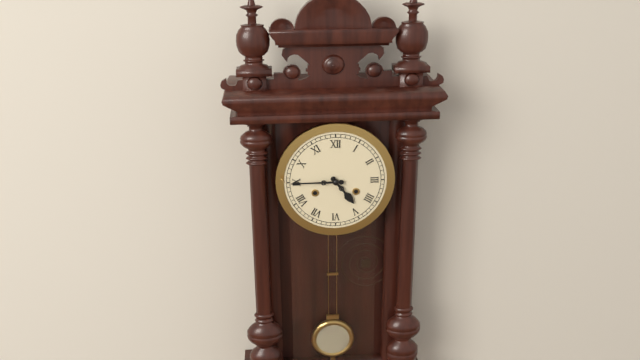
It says 4.45
